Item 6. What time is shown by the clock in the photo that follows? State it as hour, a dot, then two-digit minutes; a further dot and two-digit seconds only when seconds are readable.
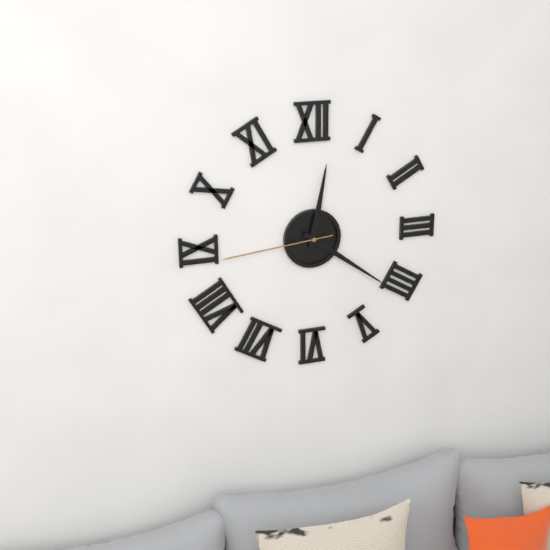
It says 12.21.44
